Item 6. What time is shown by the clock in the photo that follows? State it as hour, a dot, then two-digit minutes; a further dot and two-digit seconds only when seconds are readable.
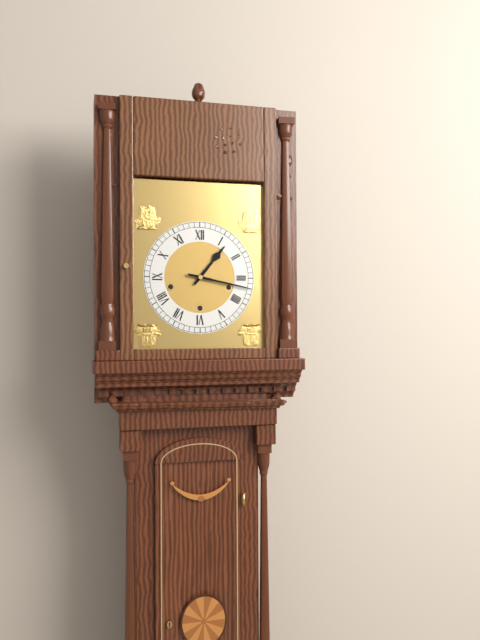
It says 1.17
